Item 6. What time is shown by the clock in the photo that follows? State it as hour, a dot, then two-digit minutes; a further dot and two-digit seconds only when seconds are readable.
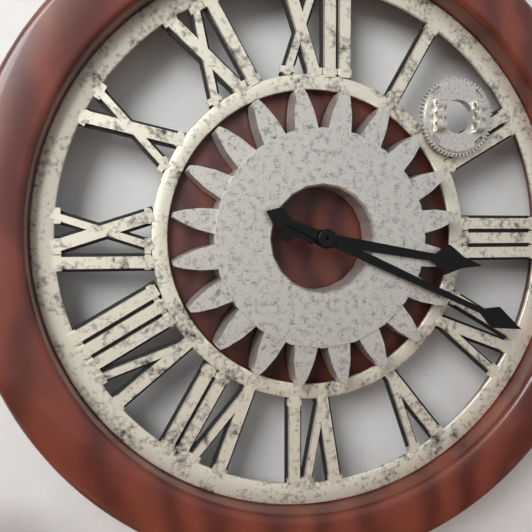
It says 3.19
